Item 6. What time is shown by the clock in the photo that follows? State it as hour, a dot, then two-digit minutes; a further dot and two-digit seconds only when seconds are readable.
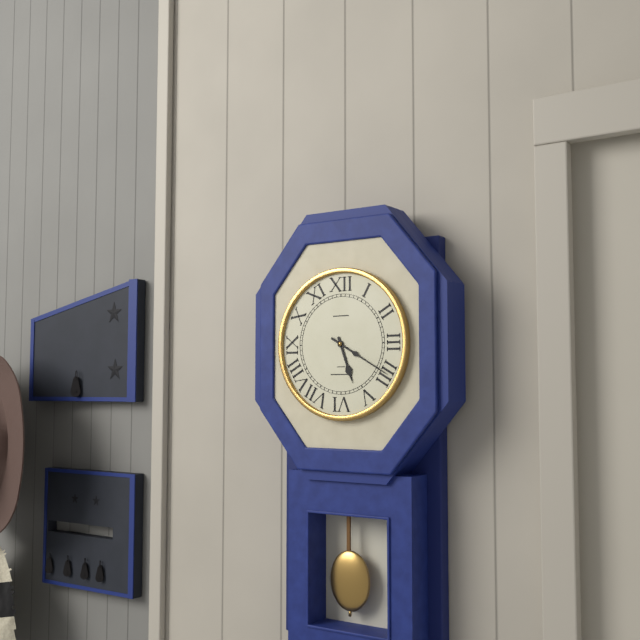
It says 5.20
